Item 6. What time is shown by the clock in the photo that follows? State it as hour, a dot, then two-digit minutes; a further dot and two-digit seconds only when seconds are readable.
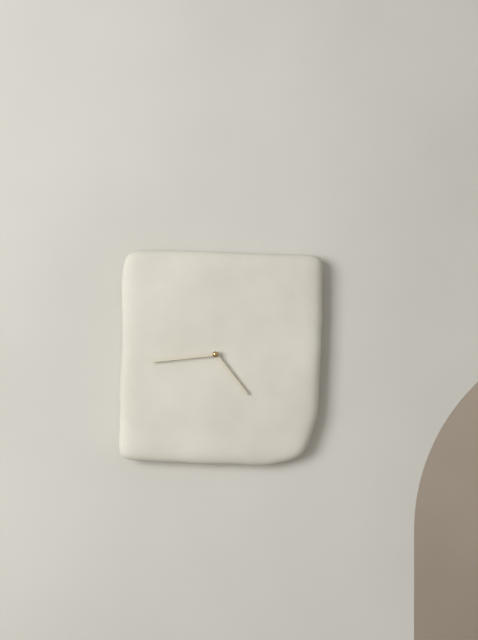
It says 4.44
